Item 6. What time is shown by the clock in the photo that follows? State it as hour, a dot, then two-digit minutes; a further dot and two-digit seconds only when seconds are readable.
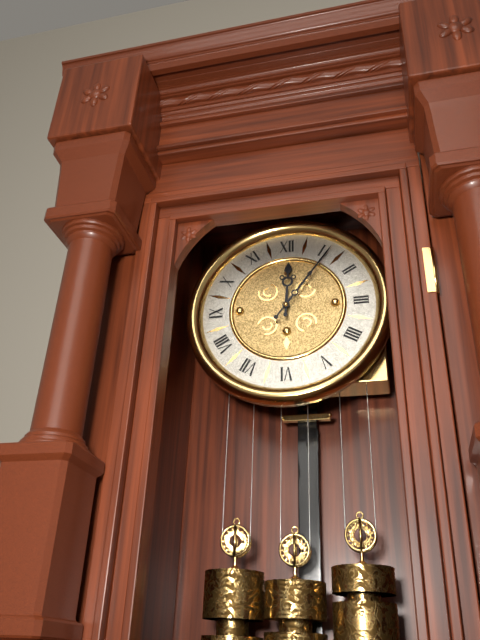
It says 12.06
